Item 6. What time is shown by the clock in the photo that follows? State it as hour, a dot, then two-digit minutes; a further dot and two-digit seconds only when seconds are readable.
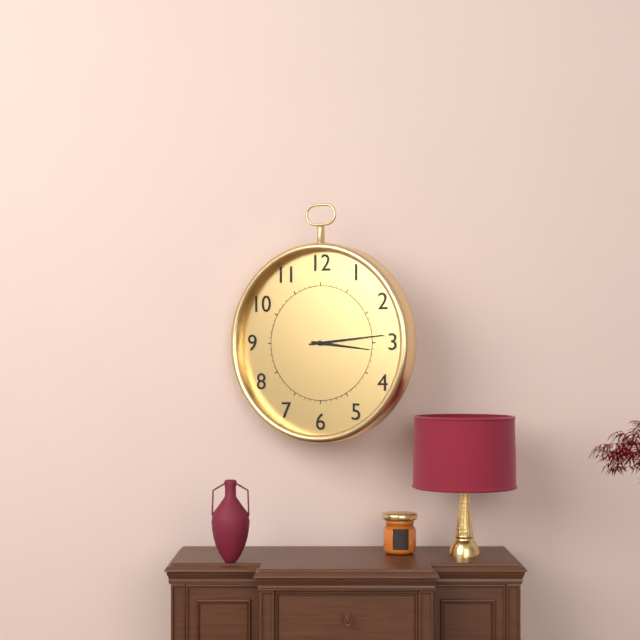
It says 3.14
